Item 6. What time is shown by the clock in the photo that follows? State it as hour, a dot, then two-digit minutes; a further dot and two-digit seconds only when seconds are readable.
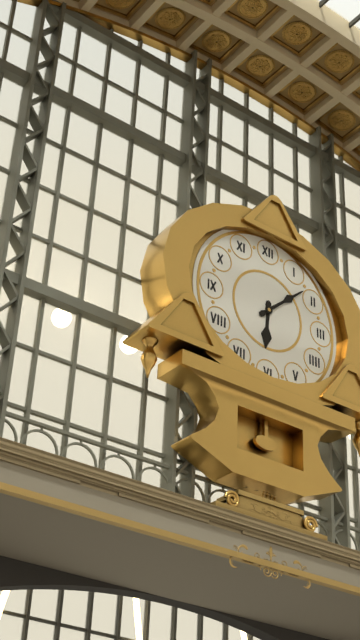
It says 6.08
